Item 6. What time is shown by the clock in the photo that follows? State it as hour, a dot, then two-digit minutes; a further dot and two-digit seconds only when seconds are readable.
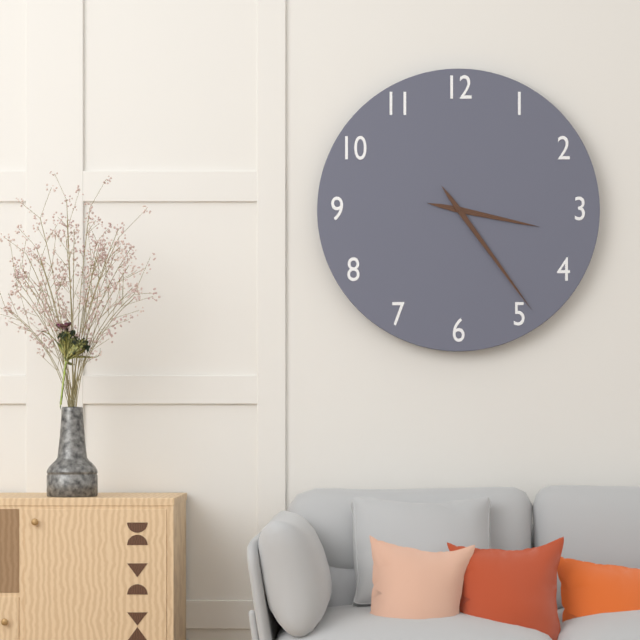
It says 3.24
